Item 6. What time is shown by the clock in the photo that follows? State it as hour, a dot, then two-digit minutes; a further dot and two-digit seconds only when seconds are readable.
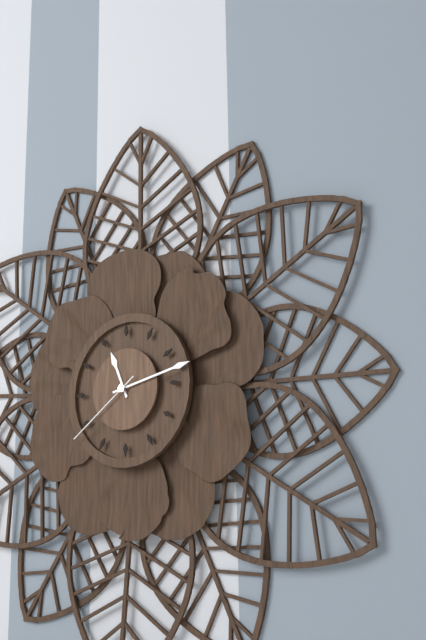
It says 11.13.39
